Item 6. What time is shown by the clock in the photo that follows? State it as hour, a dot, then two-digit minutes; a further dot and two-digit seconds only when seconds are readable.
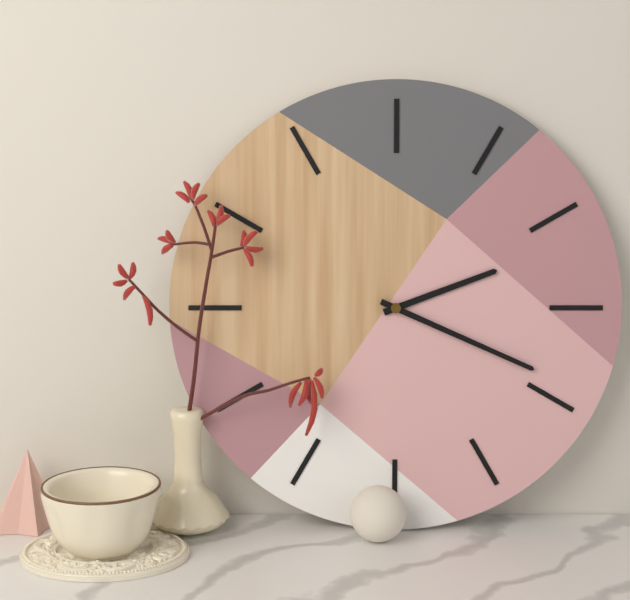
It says 2.19
